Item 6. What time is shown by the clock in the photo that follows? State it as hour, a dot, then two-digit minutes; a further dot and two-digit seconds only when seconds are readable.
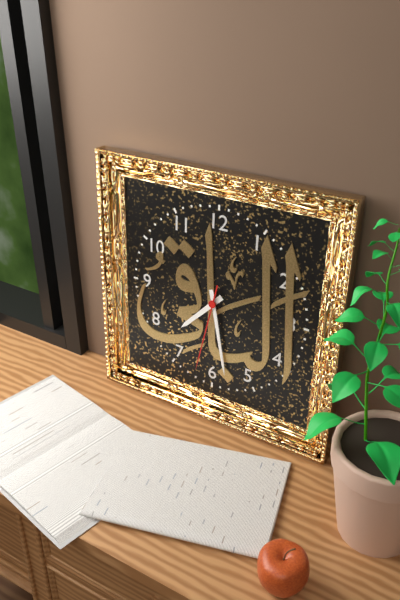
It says 7.28.32
